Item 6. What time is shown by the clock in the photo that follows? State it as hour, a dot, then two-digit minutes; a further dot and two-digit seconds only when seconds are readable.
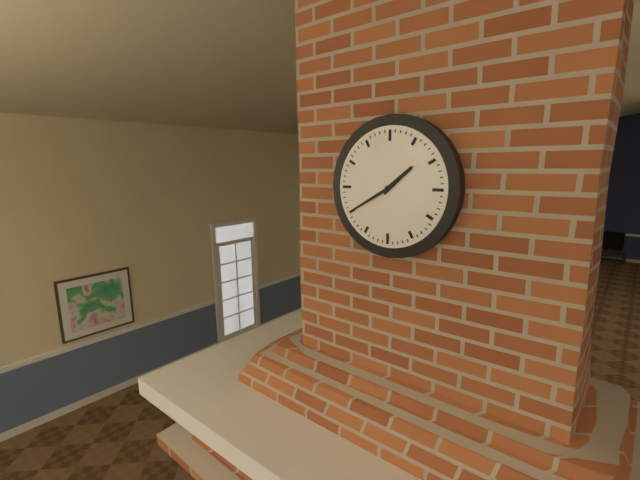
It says 1.40
